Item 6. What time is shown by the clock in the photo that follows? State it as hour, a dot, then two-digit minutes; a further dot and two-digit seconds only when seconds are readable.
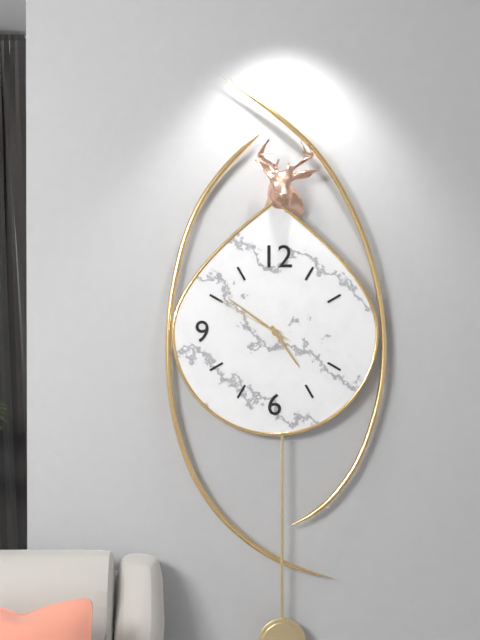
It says 4.51.50
